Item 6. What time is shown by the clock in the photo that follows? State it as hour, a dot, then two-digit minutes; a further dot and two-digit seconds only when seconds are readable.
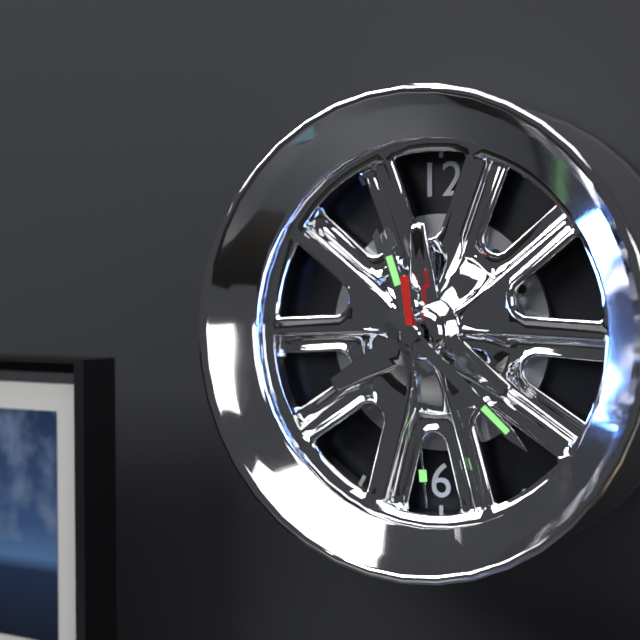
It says 11.22.29
